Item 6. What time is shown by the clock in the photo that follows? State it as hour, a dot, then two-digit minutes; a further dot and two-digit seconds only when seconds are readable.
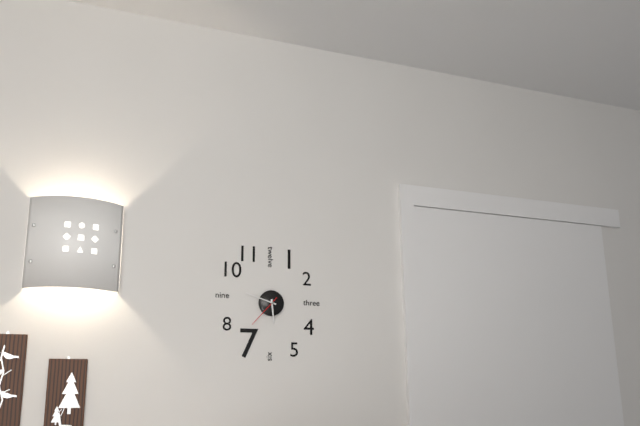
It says 5.48
